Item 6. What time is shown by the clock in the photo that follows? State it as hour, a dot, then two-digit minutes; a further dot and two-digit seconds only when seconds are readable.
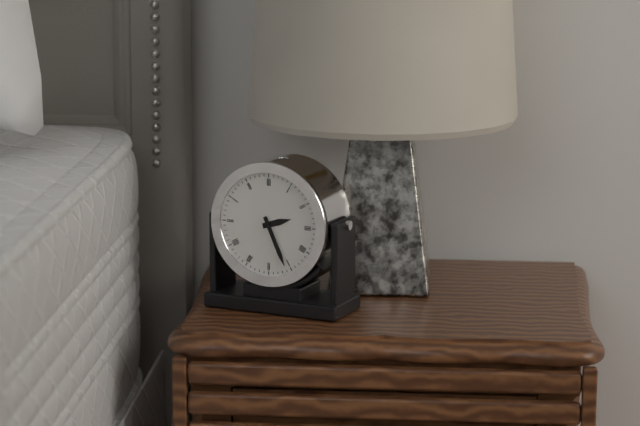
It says 2.26
